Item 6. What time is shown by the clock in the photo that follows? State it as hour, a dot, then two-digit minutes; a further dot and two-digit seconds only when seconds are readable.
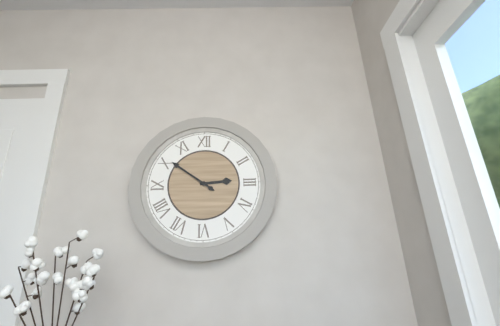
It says 2.51
